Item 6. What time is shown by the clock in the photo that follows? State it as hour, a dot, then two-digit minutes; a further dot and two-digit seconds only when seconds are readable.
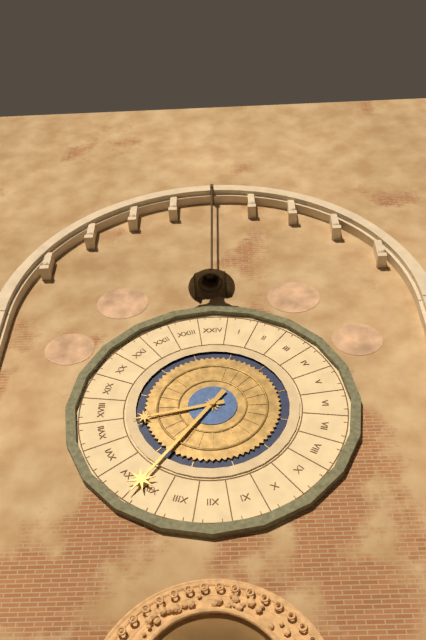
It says 8.36
